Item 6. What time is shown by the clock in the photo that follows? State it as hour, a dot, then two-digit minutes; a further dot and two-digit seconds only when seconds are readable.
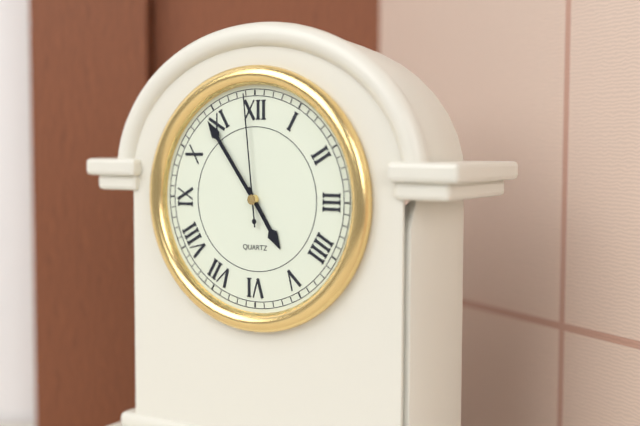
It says 4.54.59
